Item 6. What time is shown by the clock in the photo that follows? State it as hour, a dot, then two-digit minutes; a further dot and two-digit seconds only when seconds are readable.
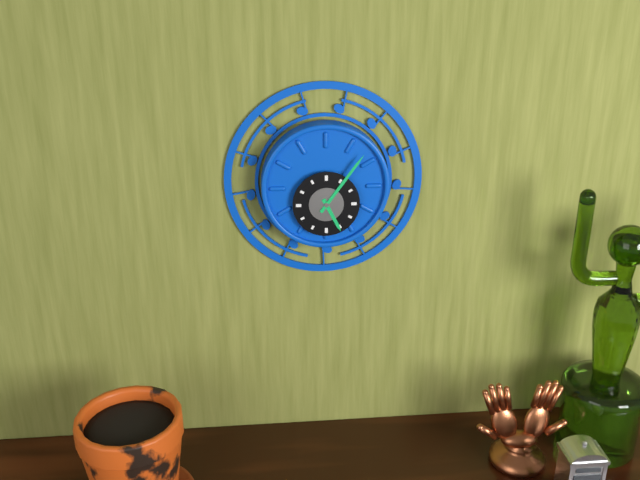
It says 5.06
